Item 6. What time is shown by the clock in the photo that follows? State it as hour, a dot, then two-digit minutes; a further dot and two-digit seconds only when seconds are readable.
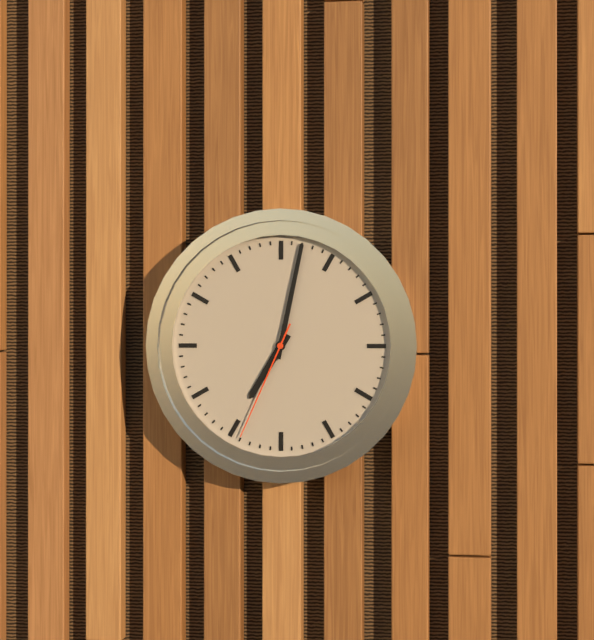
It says 7.02.34
